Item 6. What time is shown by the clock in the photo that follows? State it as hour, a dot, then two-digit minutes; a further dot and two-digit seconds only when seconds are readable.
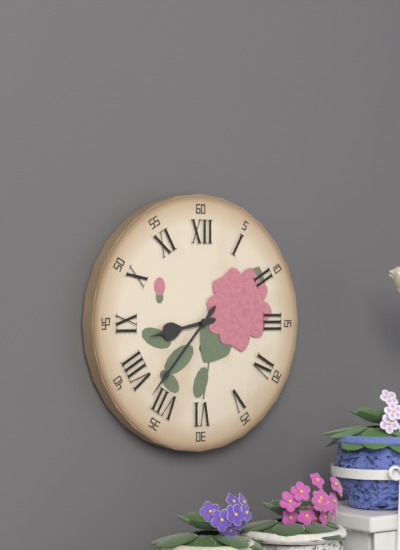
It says 8.37
